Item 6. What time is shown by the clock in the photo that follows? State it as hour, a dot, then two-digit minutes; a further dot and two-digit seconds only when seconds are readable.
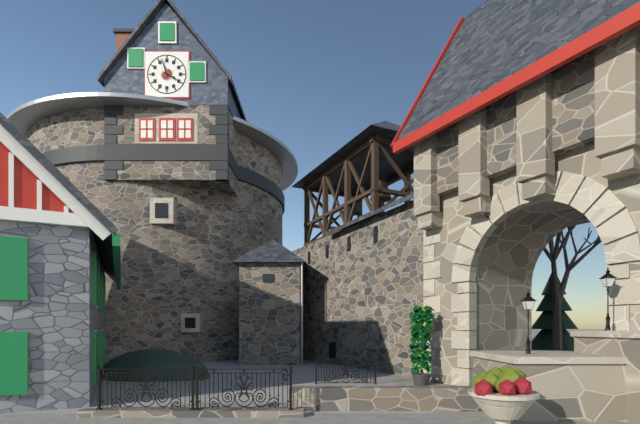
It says 3.57
